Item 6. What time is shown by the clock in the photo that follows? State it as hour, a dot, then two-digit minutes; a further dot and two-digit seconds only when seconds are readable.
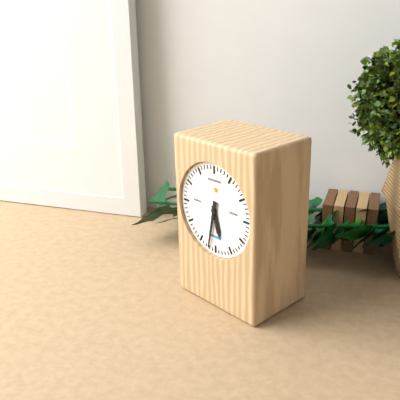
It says 5.32
